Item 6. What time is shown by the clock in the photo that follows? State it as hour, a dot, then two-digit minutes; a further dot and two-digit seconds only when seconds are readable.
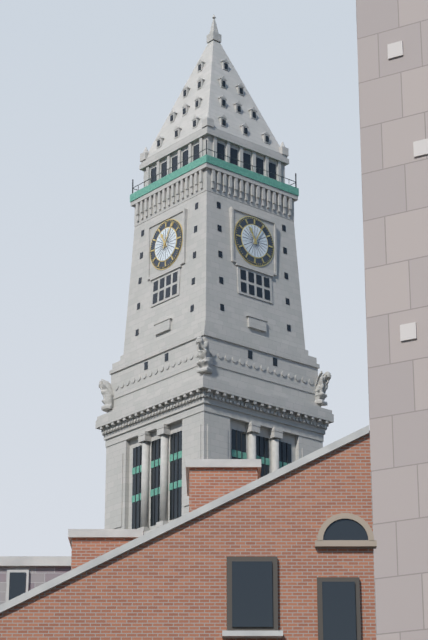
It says 11.05
